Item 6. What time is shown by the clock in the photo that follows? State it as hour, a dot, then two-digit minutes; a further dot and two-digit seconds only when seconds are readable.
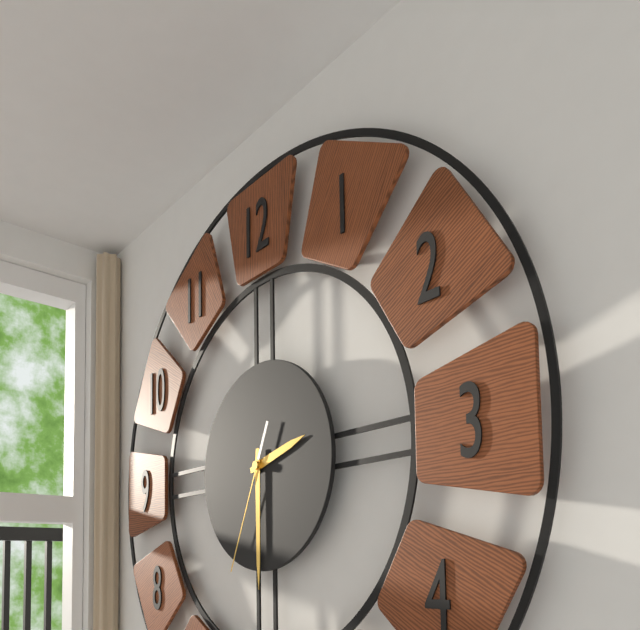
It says 2.30.34
